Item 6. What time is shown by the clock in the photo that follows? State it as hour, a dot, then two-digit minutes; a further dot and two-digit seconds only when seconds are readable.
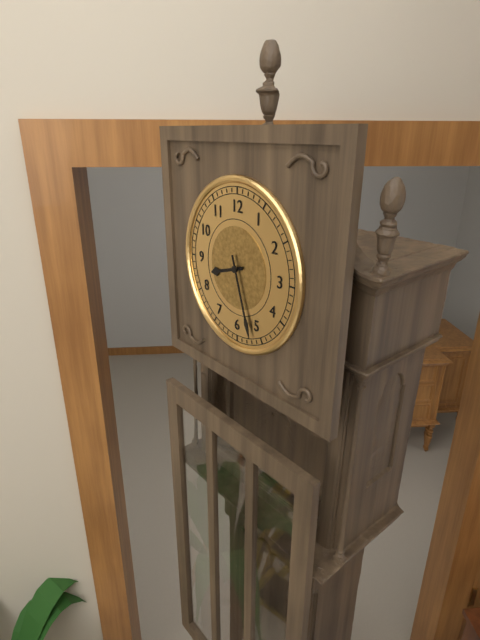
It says 8.27
